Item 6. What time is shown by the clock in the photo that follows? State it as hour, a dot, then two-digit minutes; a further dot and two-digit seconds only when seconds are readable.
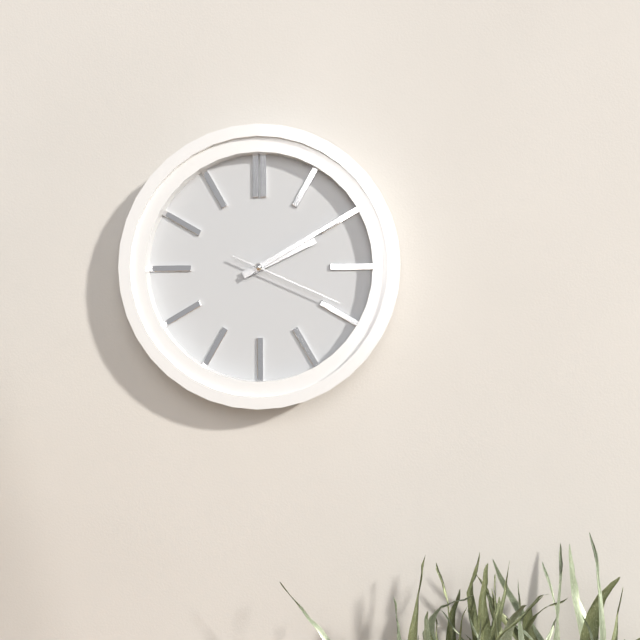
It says 2.10.19
